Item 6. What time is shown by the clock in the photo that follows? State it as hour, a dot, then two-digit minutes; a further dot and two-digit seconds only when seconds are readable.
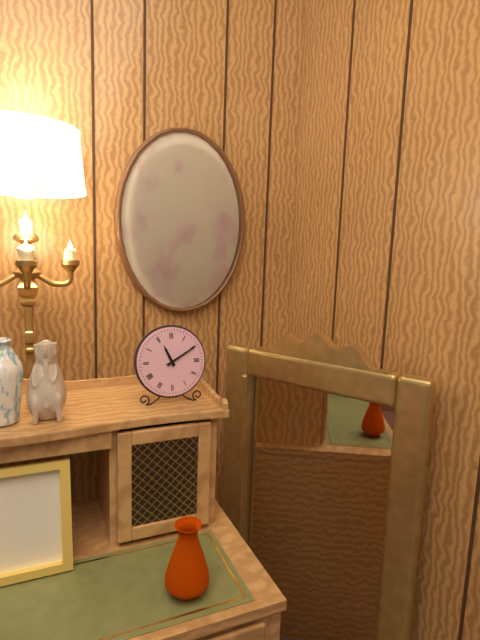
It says 11.10
